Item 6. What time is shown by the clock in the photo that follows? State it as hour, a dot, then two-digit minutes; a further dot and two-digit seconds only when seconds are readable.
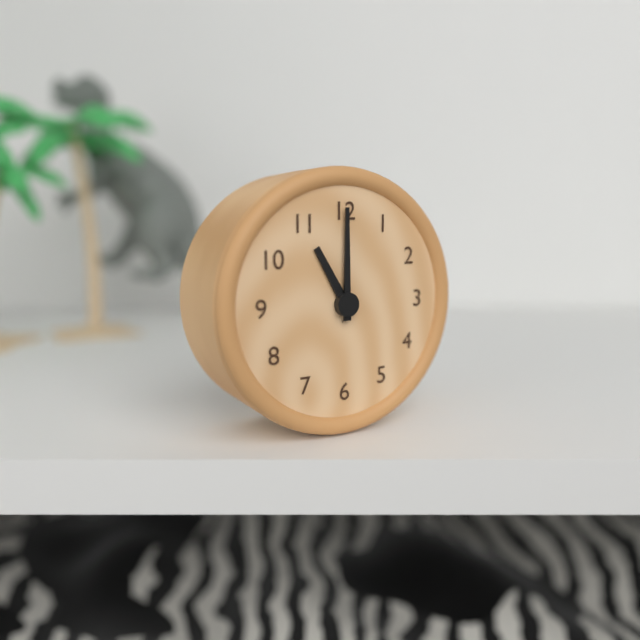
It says 11.00
